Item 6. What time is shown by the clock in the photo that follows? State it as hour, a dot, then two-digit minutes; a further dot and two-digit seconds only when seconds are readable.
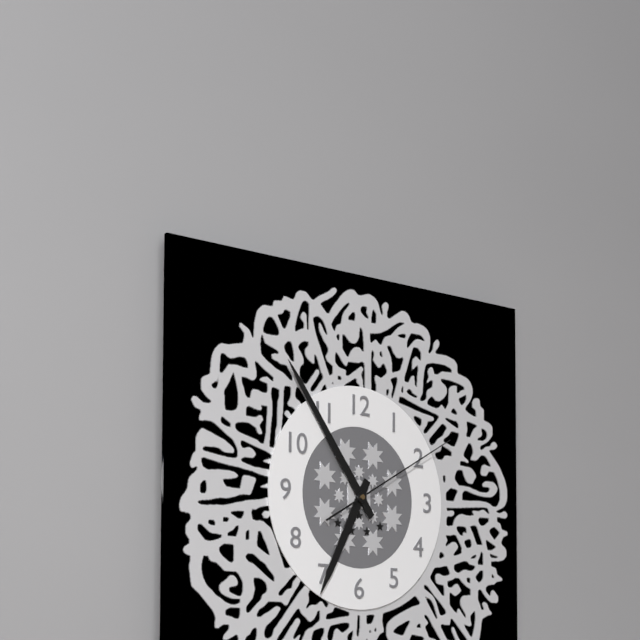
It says 6.54.10
